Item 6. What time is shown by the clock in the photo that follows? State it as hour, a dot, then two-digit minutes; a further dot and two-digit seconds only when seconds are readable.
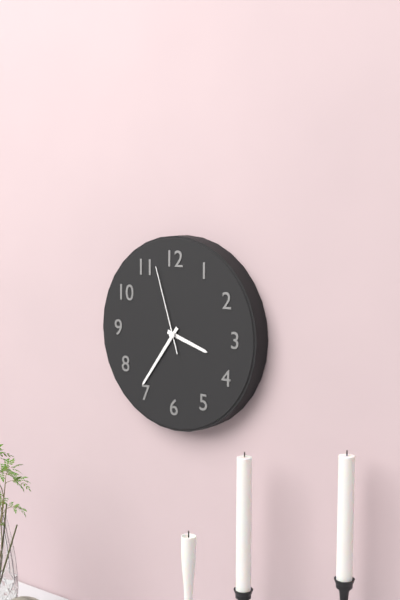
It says 3.36.57
